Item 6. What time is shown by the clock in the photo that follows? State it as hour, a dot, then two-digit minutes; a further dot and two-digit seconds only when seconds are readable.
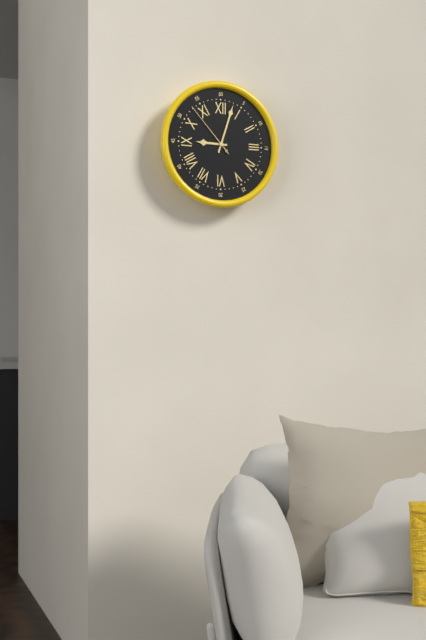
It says 9.03.53
